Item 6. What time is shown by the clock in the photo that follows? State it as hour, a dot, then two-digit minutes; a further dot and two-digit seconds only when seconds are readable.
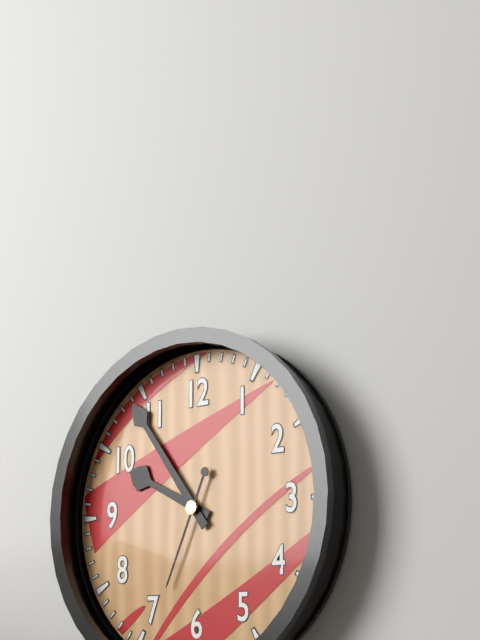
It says 9.54.34
